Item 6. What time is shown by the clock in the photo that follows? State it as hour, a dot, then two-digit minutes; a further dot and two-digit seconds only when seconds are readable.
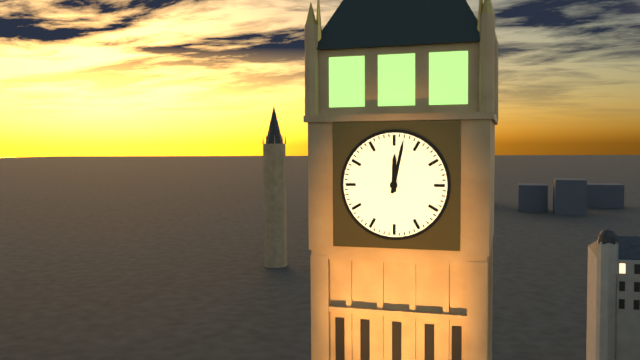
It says 12.02
